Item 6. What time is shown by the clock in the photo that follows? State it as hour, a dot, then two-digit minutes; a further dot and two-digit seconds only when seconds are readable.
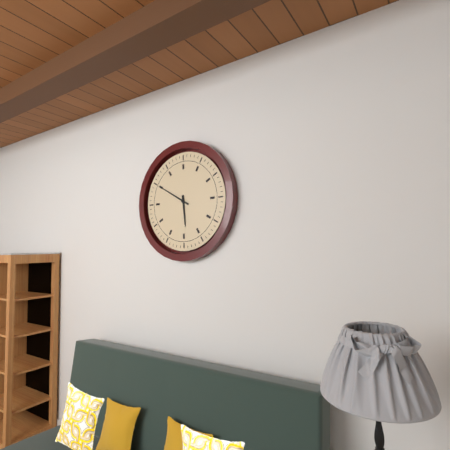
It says 5.50
